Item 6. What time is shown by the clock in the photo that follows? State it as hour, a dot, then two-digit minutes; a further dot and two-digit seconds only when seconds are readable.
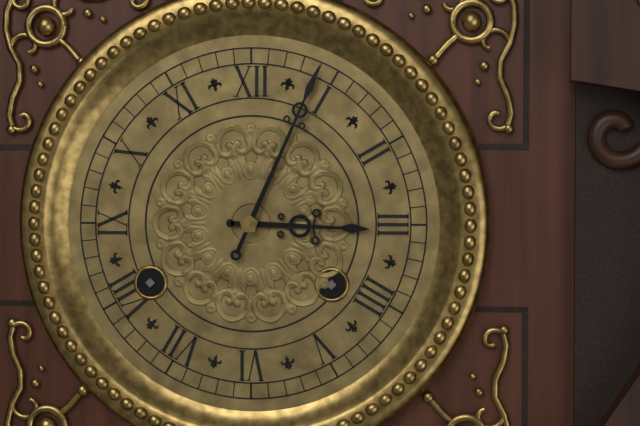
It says 3.04
